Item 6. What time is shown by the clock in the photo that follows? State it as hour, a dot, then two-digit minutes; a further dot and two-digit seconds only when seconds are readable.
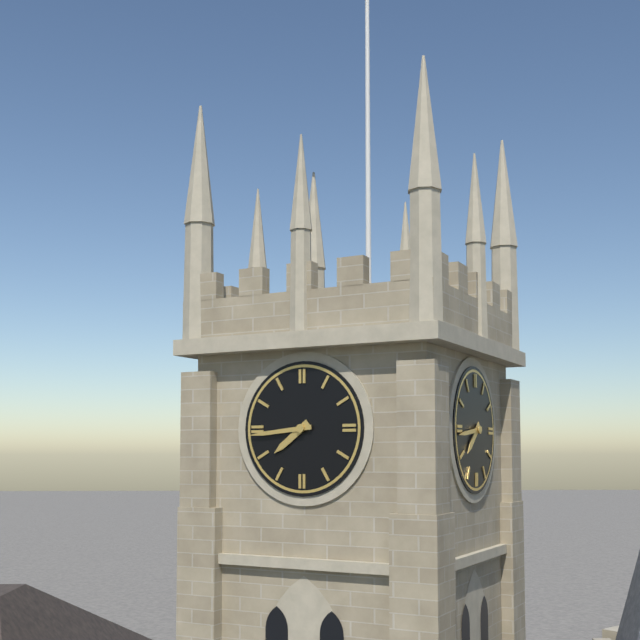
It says 7.44
